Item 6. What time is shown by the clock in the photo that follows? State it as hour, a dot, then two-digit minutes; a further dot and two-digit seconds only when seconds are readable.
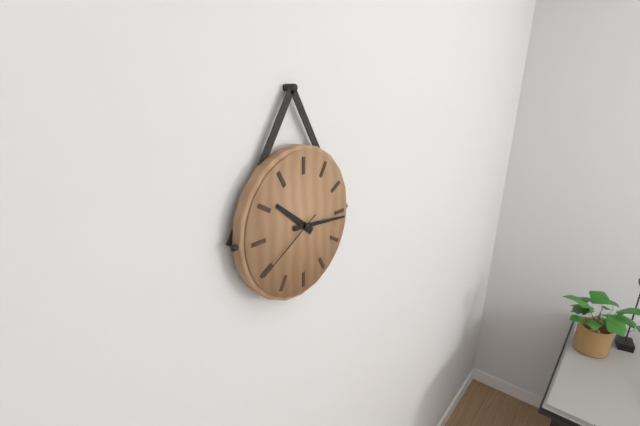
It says 10.16.40
